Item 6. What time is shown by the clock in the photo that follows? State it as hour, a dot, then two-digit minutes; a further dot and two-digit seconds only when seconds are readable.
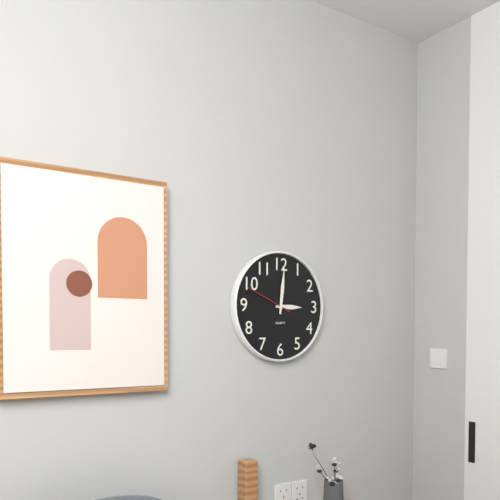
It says 3.01
